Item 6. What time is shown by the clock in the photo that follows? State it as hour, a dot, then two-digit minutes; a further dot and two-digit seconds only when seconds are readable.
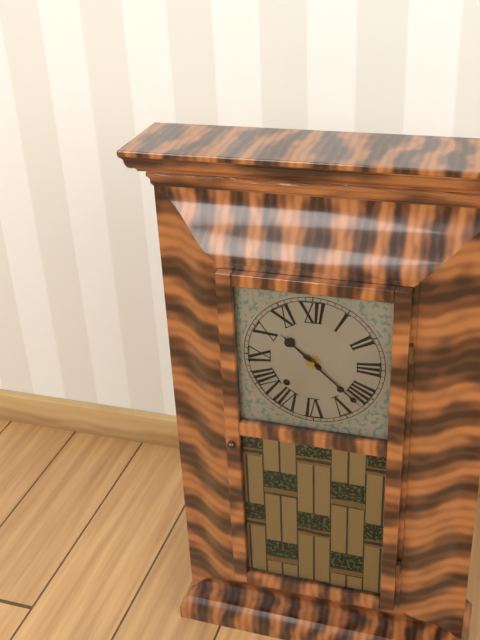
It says 10.22
